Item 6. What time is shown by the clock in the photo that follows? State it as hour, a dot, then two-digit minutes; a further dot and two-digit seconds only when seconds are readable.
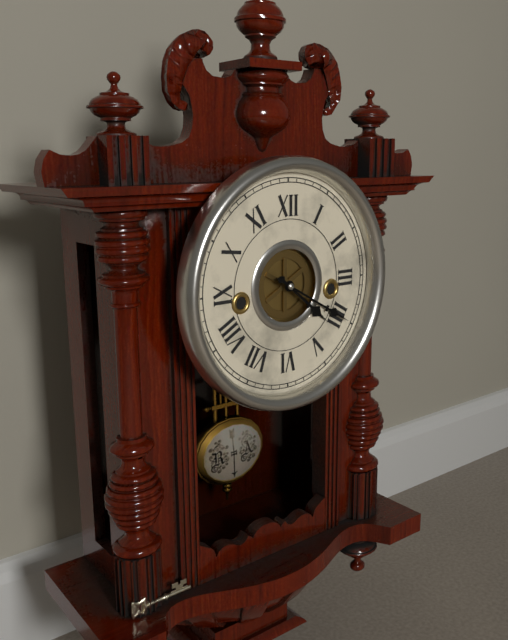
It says 4.20
